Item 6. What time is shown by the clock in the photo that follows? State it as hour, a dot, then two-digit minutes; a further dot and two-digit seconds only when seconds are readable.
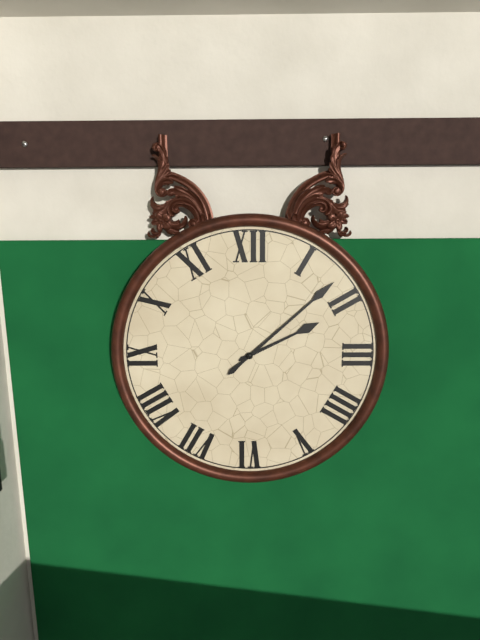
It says 2.08
